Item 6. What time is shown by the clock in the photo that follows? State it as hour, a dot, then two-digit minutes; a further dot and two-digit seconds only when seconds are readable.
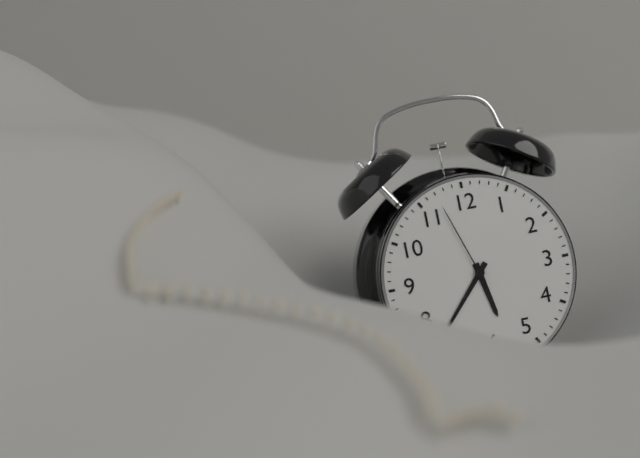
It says 5.37.57
